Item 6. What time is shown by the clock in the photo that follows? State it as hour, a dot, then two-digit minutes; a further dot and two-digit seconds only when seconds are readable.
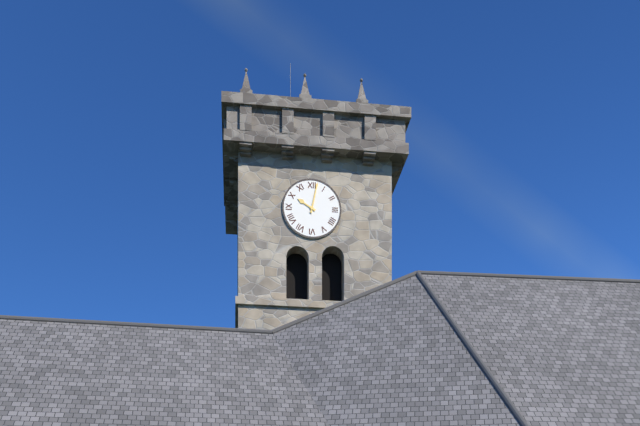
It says 10.02
